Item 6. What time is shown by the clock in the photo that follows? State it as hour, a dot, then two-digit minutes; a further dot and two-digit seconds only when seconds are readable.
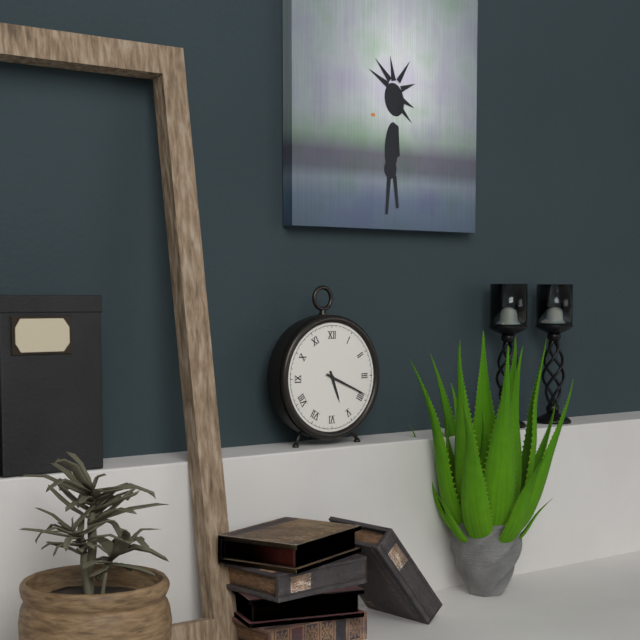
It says 5.19
